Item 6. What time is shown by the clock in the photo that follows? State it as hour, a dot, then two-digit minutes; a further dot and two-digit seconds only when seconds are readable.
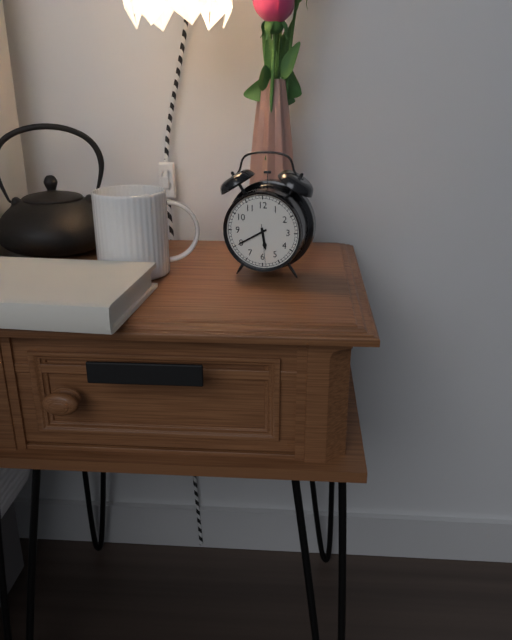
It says 5.40
